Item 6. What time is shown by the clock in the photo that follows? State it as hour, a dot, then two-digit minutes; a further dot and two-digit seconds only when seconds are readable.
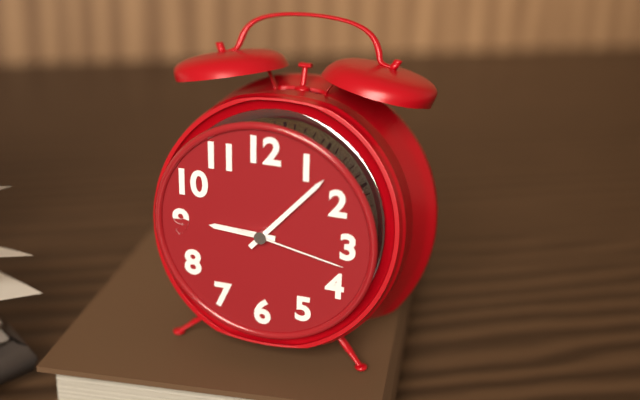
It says 9.07.17
